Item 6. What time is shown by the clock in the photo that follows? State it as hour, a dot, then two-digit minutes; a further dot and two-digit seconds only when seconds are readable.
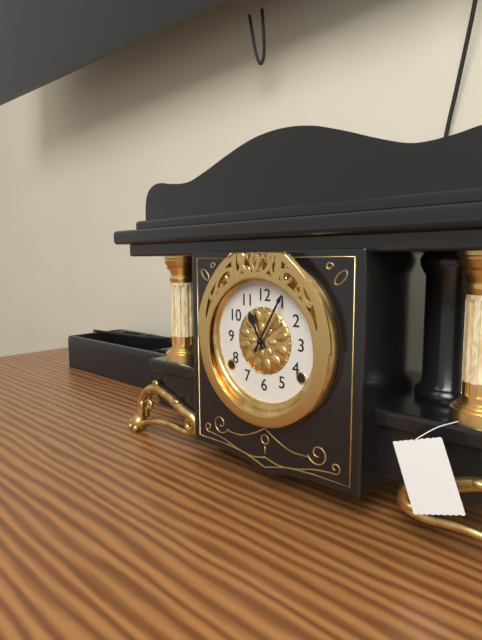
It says 11.05
